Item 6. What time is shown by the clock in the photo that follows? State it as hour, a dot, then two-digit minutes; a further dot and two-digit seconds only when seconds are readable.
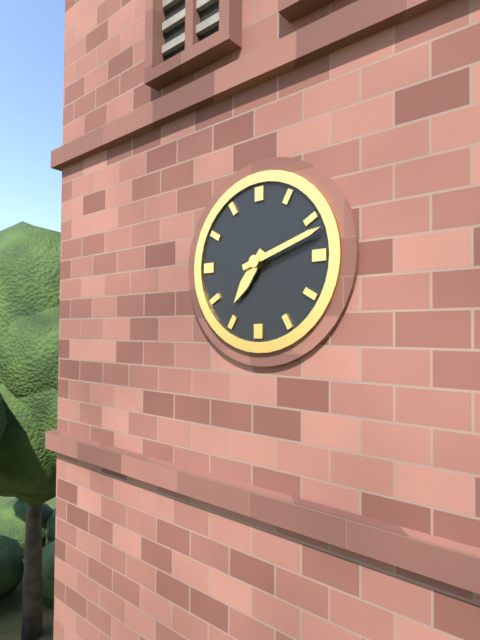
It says 7.12
